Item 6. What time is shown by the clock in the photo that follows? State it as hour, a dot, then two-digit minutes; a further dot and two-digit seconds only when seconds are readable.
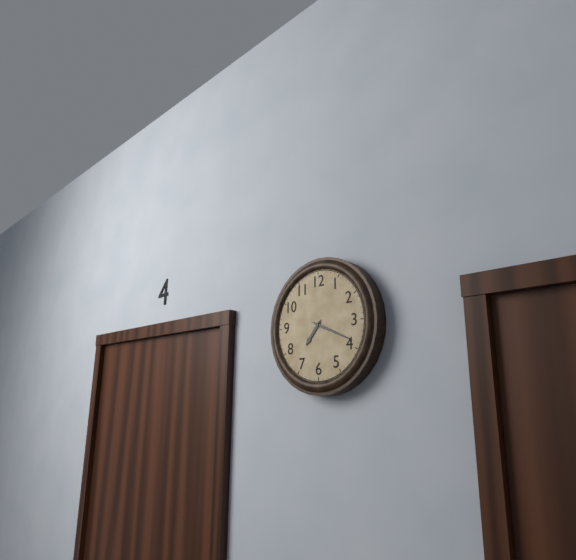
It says 7.19
